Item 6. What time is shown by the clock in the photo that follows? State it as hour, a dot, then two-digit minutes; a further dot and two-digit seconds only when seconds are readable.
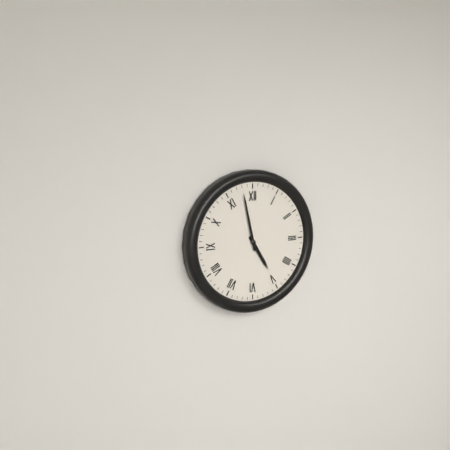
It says 4.58
